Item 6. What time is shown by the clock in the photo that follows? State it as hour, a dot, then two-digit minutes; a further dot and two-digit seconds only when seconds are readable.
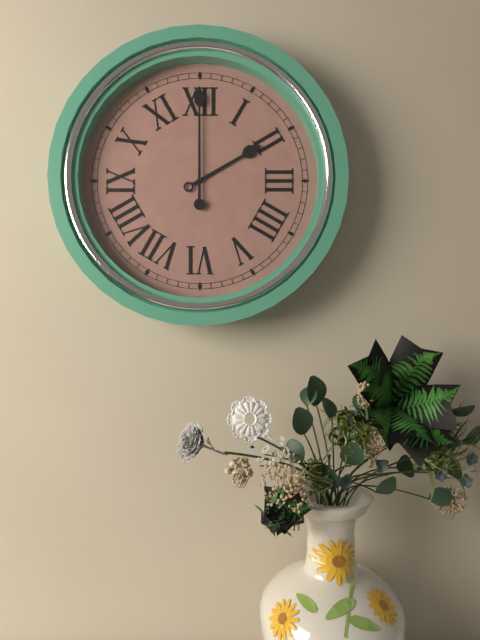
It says 2.00
